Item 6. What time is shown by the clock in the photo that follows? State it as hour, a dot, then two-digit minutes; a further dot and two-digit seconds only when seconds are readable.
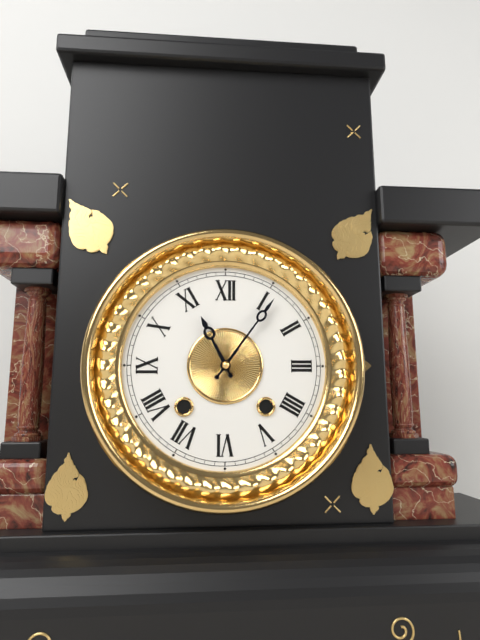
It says 11.06
